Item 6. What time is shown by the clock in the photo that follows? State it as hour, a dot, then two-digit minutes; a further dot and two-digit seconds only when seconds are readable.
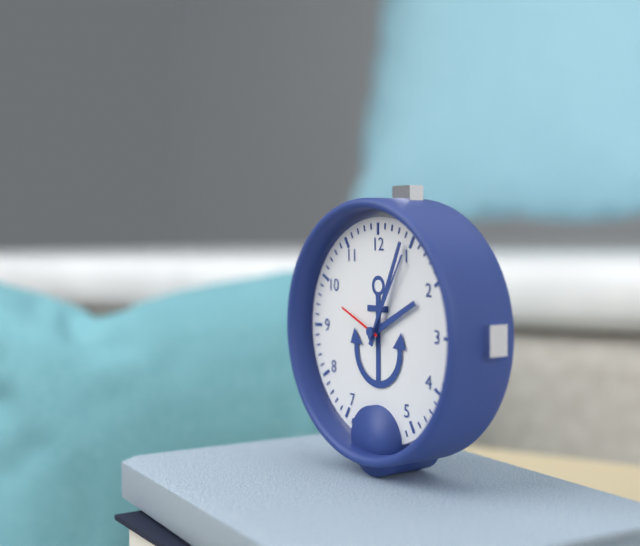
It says 2.04
